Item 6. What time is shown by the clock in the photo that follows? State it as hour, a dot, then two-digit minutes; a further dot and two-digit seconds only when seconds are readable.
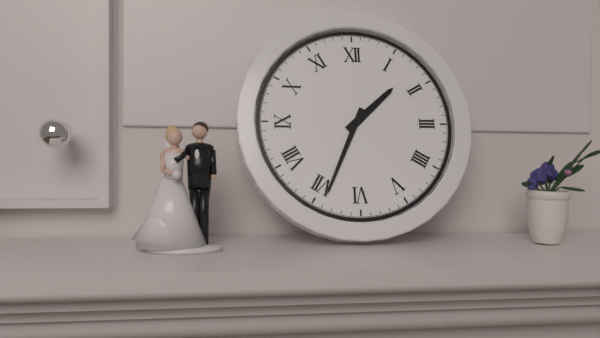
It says 1.34
